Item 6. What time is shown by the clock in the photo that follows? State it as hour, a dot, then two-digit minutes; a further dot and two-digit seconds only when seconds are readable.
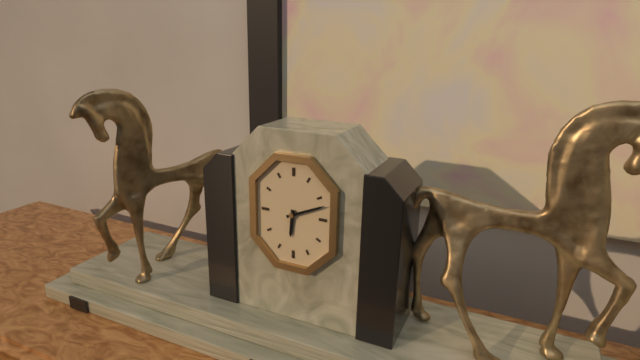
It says 6.11
